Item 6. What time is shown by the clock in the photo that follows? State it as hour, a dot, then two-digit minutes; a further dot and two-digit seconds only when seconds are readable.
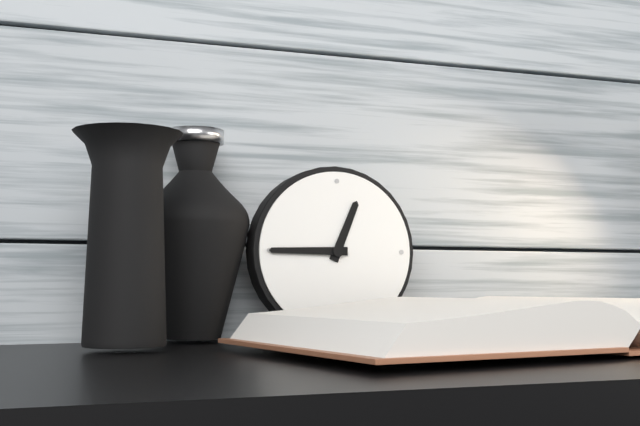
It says 12.45
